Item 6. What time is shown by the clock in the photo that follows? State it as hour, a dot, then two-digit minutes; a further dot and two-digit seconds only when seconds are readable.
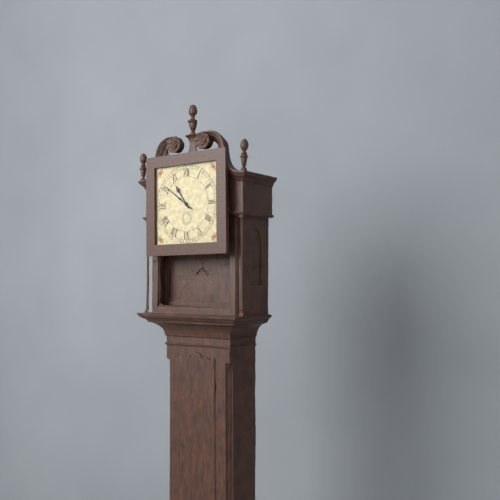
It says 10.51
